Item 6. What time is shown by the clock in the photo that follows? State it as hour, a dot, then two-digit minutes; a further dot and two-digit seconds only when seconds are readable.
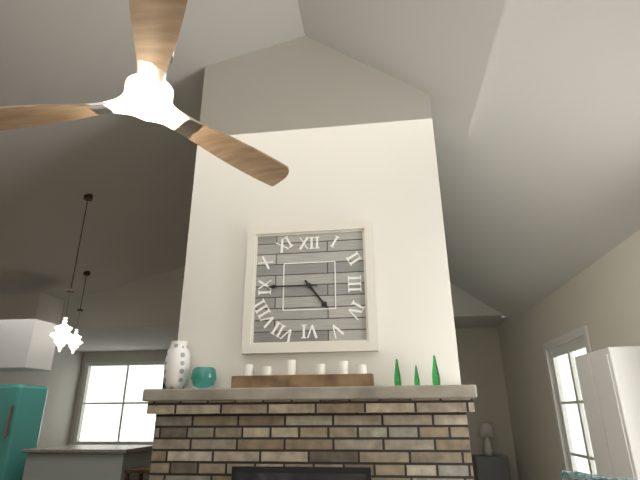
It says 4.45
